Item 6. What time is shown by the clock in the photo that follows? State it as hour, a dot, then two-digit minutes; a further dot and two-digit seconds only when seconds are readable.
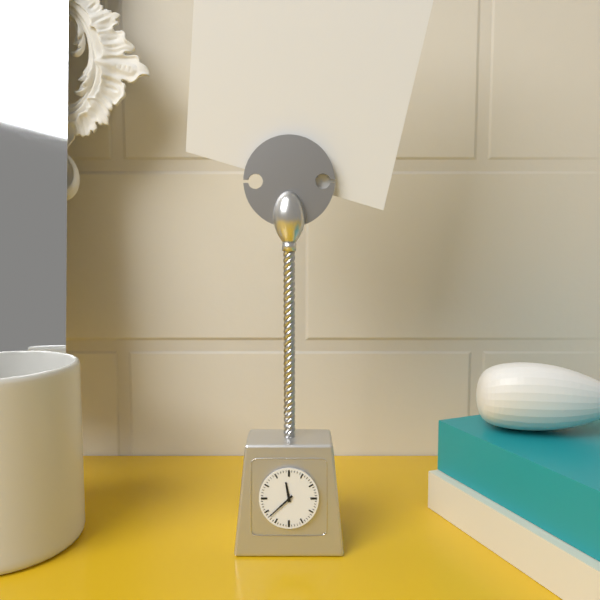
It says 11.38
